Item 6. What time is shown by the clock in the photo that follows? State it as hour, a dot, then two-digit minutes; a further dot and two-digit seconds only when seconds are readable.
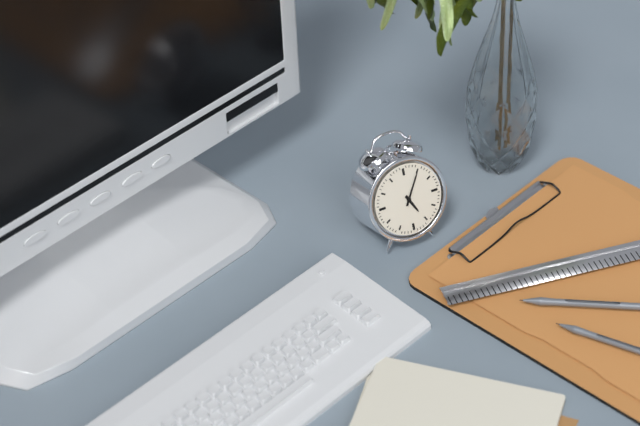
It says 5.05
